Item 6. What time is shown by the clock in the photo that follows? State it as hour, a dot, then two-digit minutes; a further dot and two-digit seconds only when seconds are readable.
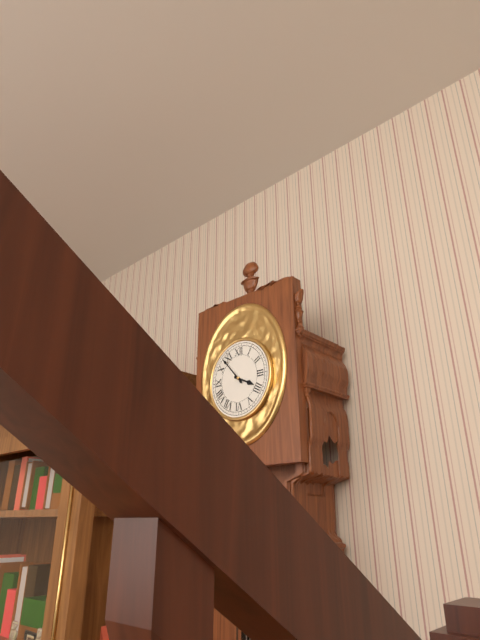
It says 3.53
